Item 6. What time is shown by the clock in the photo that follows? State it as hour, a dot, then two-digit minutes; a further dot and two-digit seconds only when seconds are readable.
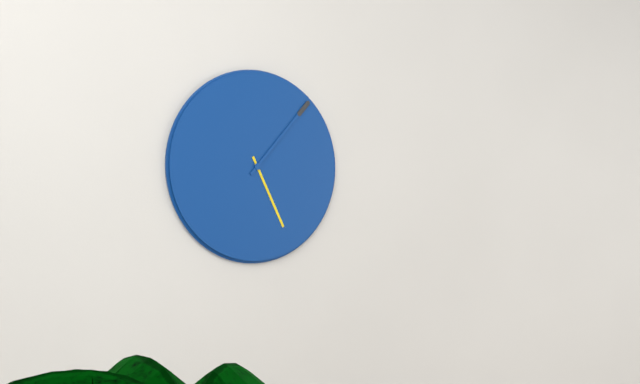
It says 5.07
